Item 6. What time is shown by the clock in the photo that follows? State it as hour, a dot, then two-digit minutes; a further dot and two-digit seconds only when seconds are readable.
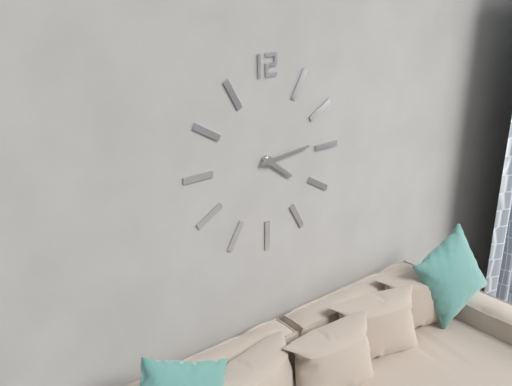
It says 4.14
